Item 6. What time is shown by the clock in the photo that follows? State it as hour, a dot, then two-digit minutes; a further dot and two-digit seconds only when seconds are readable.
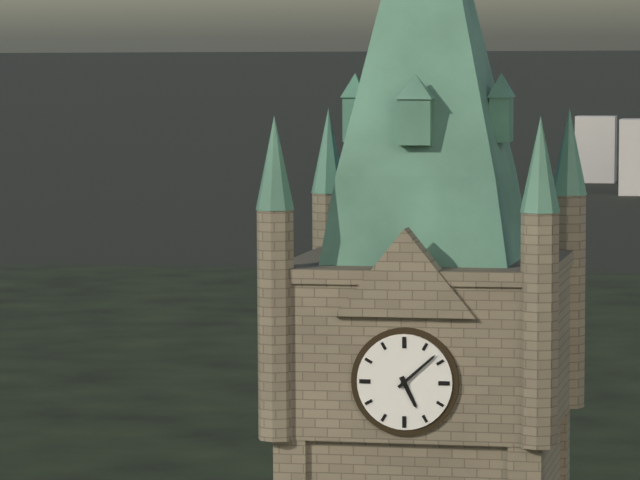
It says 5.08
